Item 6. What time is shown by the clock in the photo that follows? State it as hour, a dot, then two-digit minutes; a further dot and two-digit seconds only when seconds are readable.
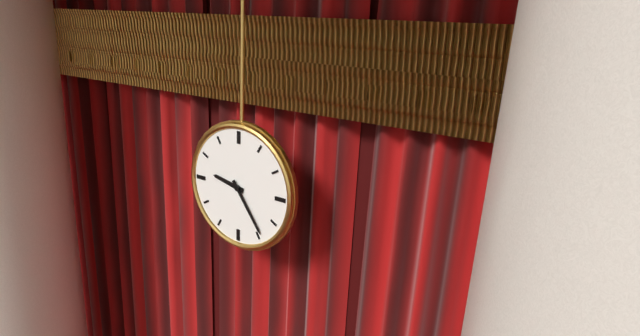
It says 9.24
